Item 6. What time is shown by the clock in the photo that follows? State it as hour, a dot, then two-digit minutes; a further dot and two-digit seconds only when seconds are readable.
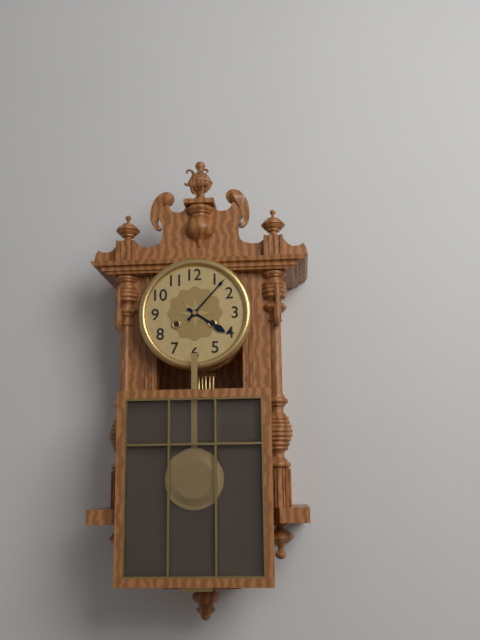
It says 4.07
